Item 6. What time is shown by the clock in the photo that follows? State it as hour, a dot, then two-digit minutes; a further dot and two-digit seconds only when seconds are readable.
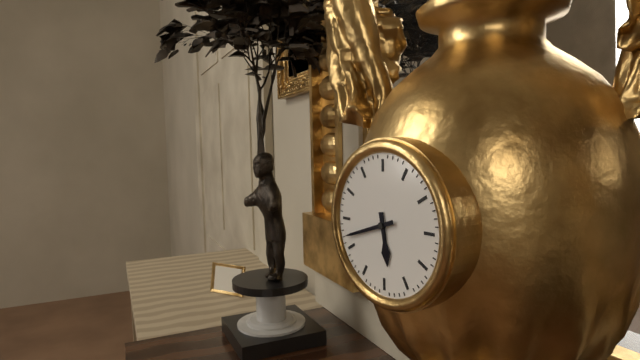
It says 5.42
